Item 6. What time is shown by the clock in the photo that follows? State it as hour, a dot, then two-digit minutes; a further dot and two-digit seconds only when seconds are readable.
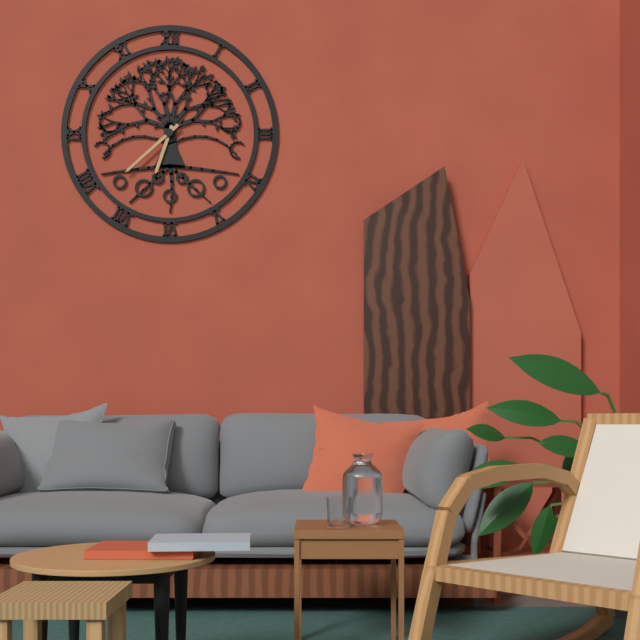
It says 6.38
